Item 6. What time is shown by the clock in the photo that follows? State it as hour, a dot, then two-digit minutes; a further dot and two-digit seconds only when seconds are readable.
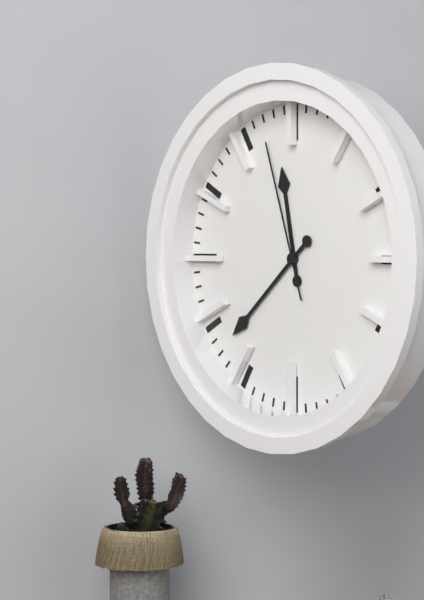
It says 11.38.57
